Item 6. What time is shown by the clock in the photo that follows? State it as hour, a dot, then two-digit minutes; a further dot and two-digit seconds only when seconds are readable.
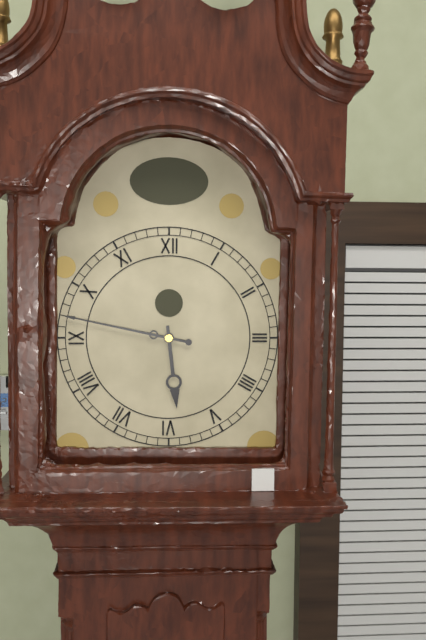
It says 5.47
